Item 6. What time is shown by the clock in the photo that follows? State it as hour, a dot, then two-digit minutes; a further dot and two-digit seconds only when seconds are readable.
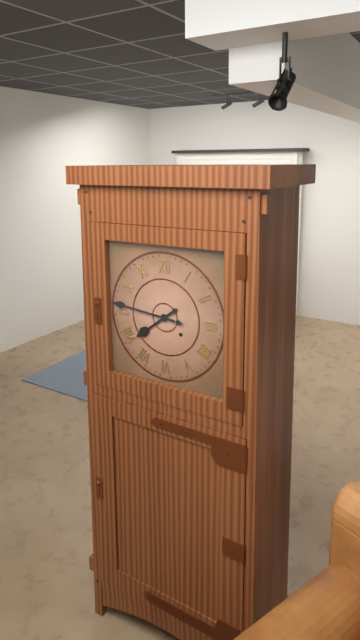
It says 7.46
